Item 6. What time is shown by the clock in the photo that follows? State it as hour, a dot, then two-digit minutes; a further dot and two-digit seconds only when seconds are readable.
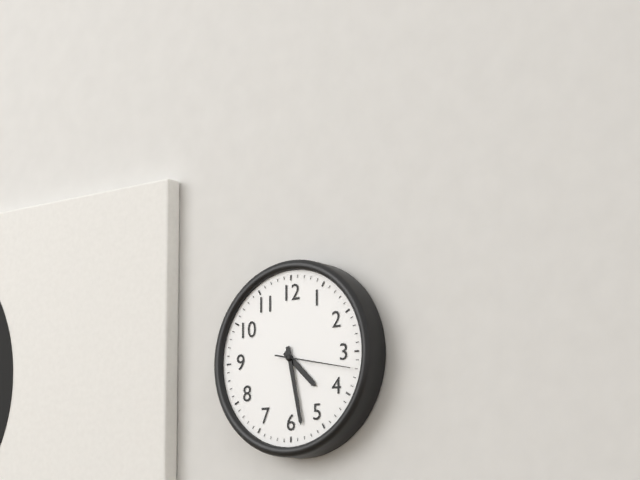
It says 4.28.17
